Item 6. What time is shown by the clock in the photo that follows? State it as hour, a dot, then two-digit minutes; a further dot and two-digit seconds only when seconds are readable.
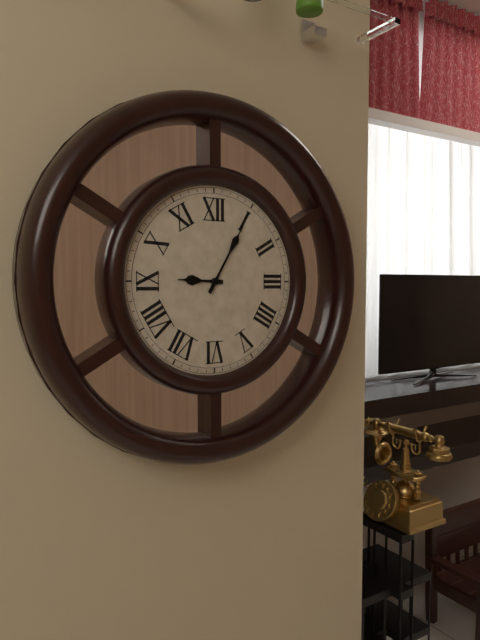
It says 9.05
